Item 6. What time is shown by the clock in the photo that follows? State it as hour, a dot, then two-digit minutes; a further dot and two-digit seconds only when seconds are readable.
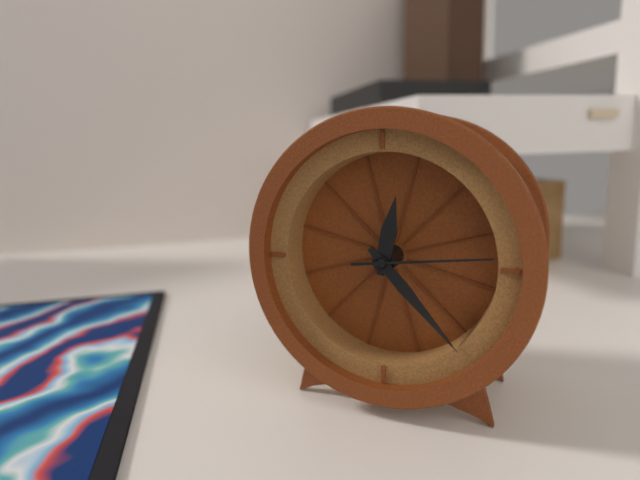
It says 12.23.14
